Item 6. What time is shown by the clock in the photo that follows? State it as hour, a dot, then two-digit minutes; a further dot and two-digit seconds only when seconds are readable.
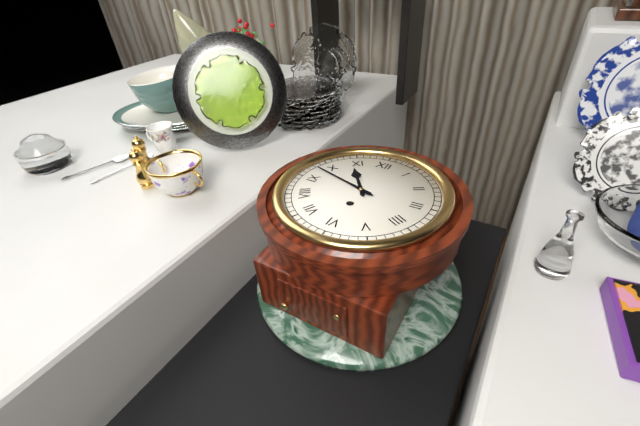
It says 10.48
